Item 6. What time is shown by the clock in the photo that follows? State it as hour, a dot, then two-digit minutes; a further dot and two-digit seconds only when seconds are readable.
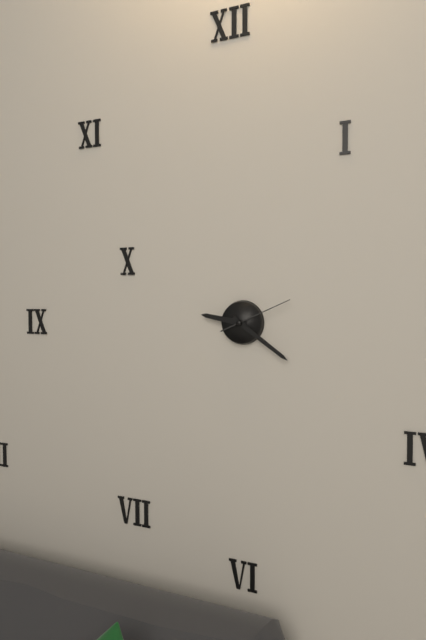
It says 9.21.11
